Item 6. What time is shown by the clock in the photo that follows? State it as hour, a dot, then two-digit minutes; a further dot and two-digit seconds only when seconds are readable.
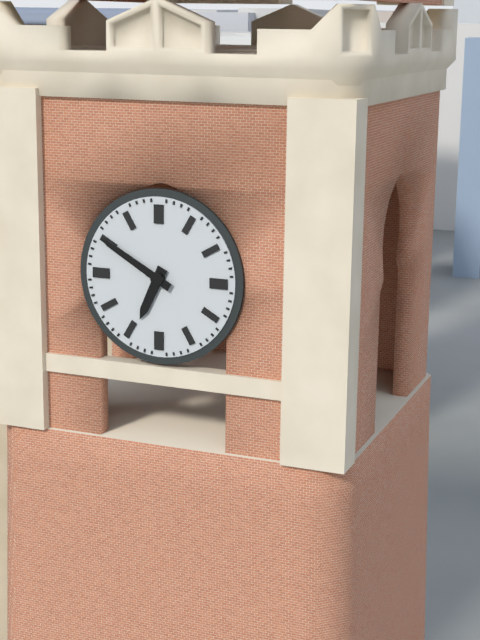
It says 6.50
